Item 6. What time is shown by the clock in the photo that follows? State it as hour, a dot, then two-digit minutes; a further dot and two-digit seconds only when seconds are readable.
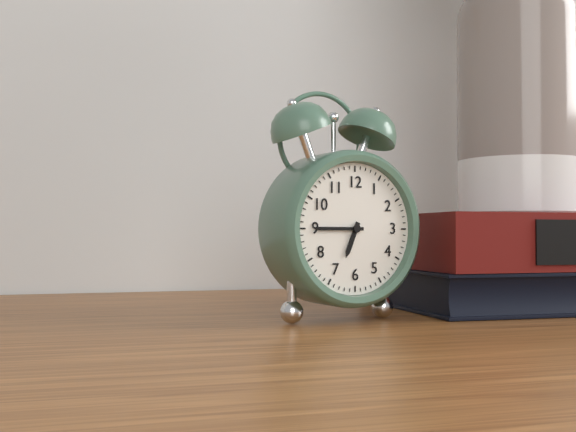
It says 6.45
